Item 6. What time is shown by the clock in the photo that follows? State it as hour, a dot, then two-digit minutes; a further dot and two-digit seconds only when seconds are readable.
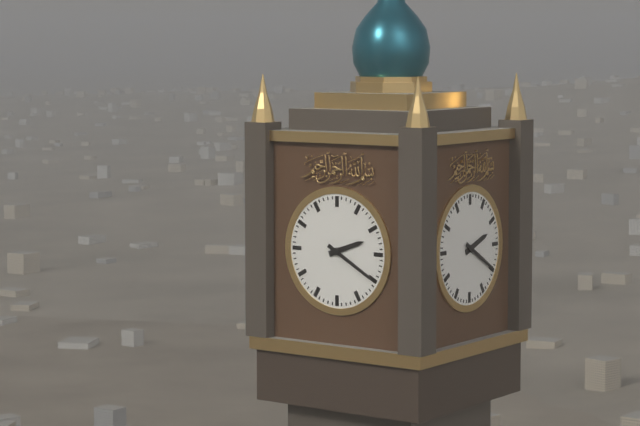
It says 2.20
